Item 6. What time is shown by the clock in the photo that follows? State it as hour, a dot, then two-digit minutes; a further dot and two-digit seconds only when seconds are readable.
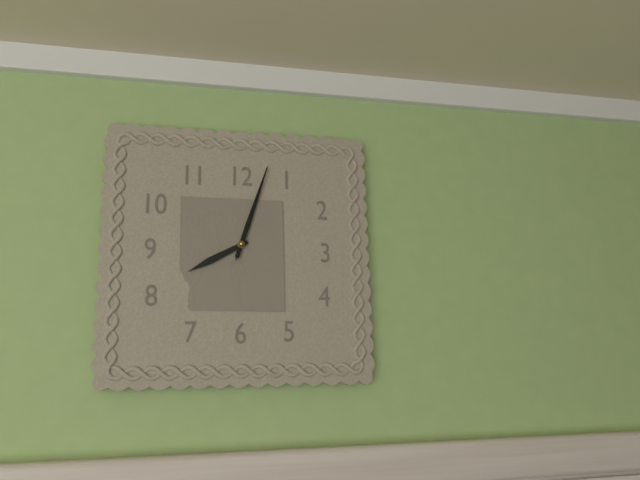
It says 8.03.03
